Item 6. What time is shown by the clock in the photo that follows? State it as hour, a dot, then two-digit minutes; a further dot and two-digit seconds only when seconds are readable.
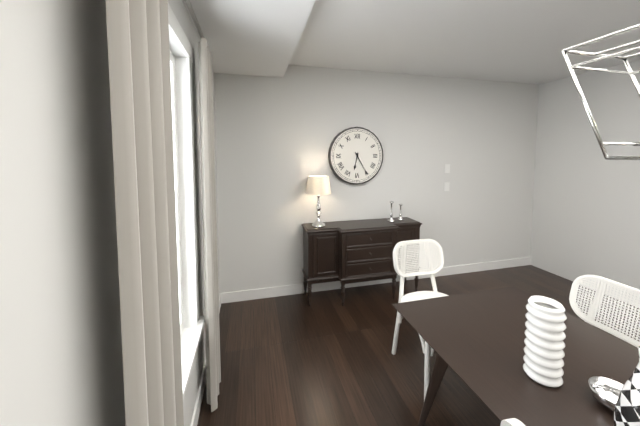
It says 6.25
